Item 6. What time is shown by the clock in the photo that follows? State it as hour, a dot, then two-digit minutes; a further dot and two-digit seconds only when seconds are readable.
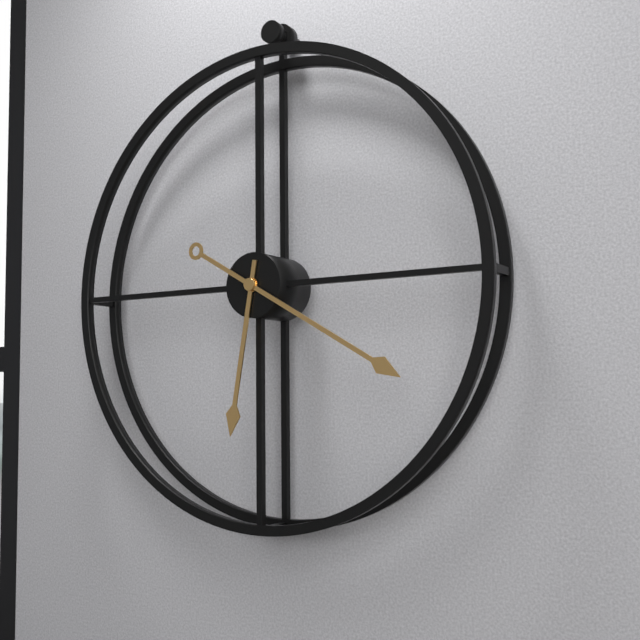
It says 6.20
